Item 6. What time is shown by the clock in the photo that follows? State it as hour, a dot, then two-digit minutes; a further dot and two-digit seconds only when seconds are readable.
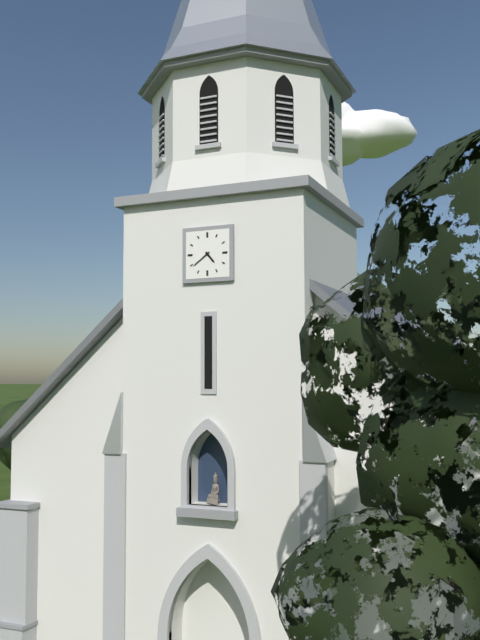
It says 4.39
